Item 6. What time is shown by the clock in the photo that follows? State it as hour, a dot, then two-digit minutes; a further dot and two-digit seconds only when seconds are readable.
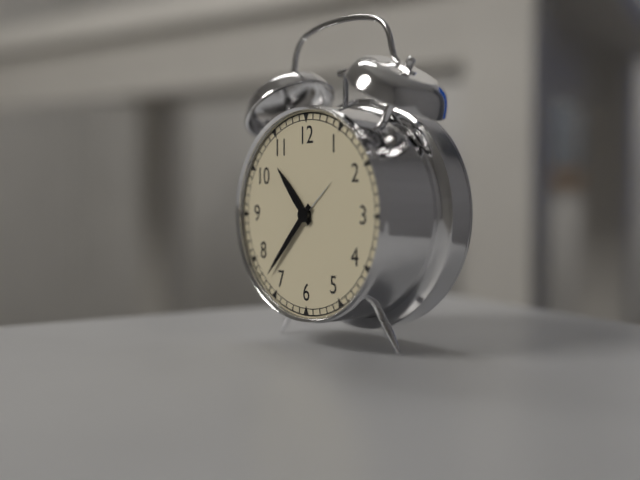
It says 10.37
